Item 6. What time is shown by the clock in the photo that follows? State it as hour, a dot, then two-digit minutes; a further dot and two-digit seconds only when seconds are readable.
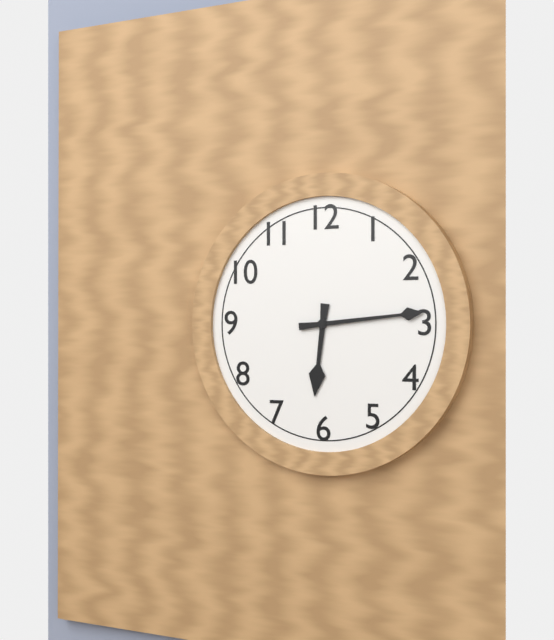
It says 6.14
